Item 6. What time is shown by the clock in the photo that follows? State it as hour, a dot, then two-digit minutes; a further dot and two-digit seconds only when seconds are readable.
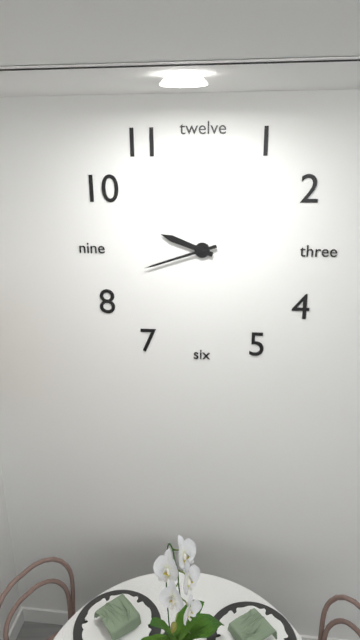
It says 9.42
